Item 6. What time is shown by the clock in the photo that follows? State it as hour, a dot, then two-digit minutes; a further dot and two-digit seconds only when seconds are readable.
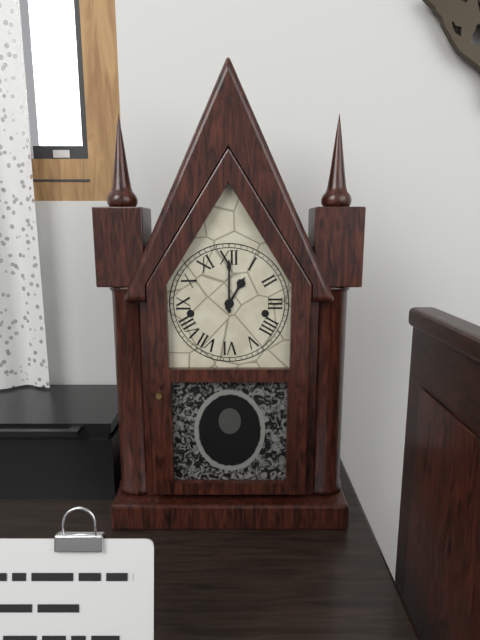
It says 1.00
